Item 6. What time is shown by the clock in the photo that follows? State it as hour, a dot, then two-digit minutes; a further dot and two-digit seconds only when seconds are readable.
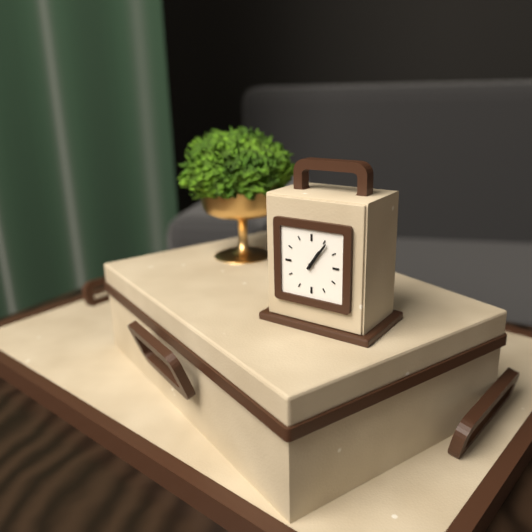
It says 1.06
